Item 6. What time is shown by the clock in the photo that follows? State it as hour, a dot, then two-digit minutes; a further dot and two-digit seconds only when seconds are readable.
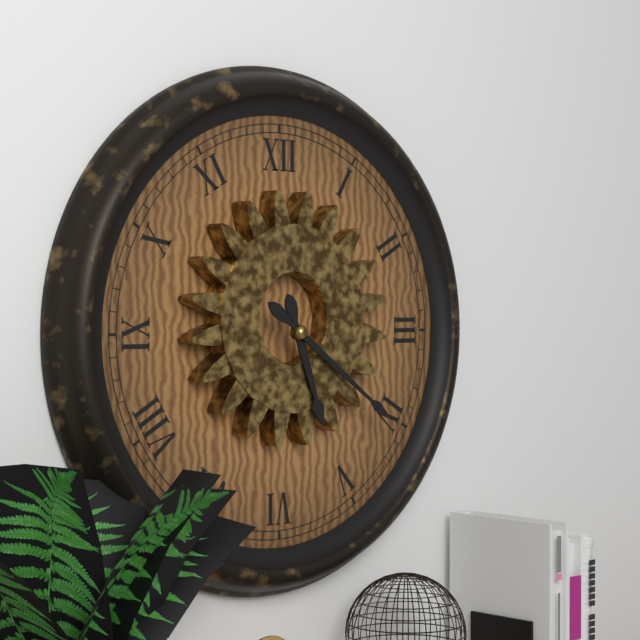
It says 5.21
